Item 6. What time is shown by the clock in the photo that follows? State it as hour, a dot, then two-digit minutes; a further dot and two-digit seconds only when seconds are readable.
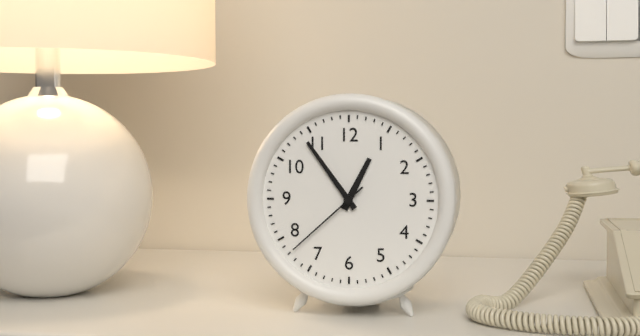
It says 12.54.38
